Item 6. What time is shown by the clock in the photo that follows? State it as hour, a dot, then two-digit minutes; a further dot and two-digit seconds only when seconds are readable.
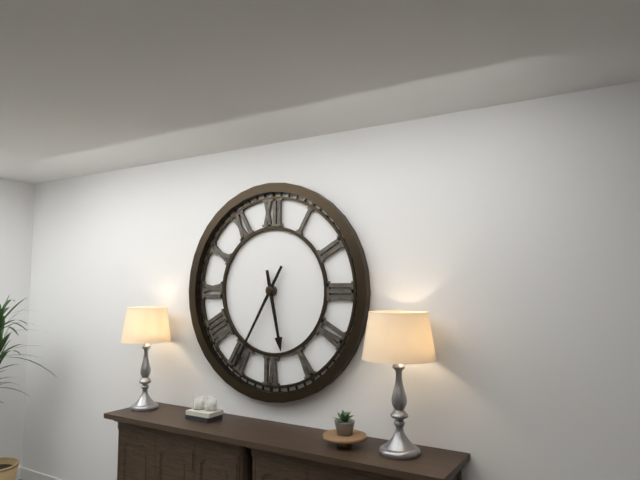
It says 5.35
